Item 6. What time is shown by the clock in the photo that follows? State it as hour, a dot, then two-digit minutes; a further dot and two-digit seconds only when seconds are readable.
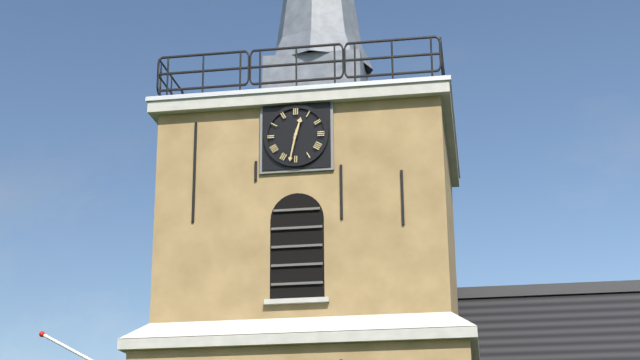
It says 12.32
